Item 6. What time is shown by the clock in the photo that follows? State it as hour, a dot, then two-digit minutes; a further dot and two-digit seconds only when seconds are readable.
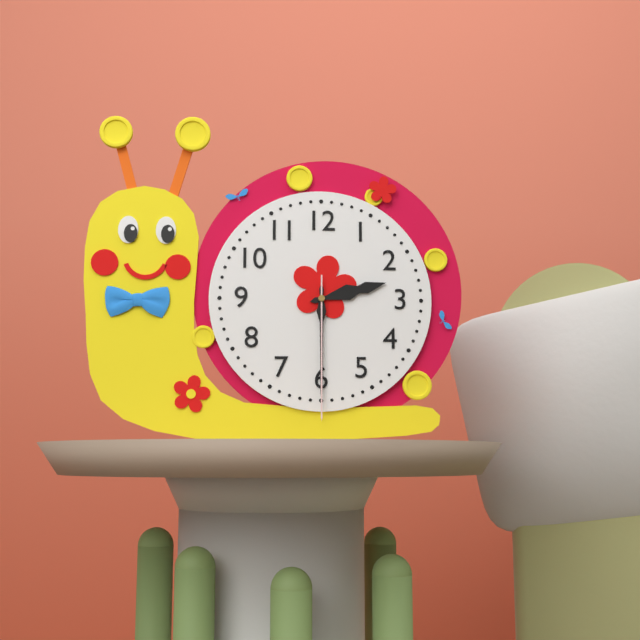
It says 2.30.30
